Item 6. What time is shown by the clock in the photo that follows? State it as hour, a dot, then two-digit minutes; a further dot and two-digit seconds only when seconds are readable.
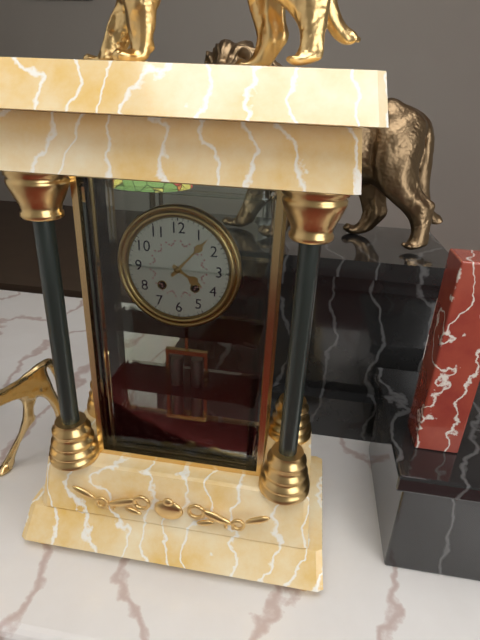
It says 4.07
